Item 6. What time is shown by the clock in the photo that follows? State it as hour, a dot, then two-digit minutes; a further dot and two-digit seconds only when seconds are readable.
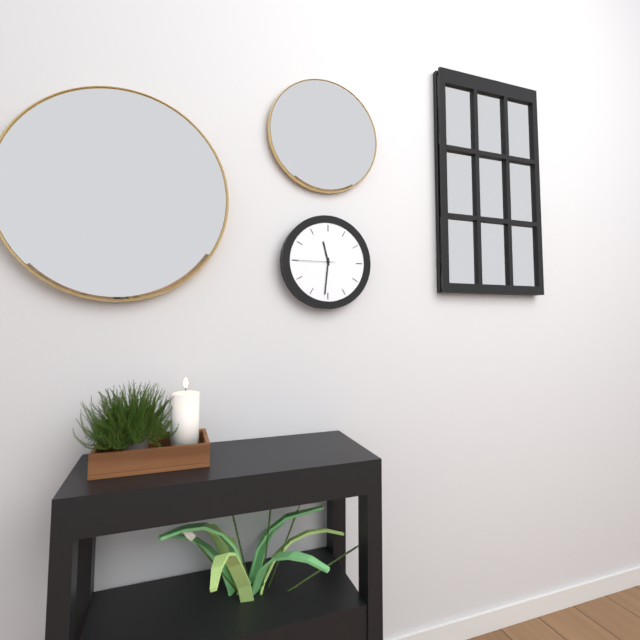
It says 11.31
